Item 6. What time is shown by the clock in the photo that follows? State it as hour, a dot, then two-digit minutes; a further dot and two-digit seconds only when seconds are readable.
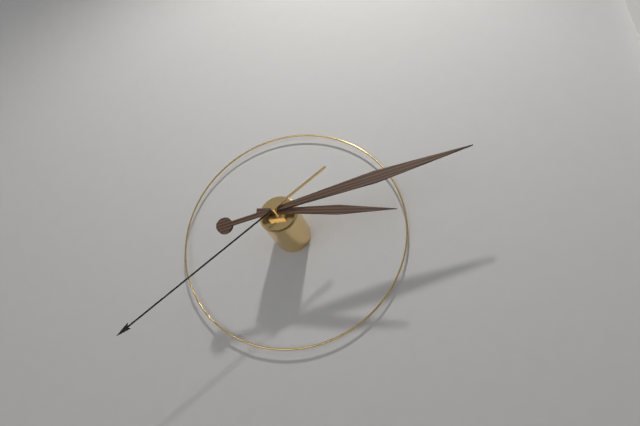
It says 3.13.39
